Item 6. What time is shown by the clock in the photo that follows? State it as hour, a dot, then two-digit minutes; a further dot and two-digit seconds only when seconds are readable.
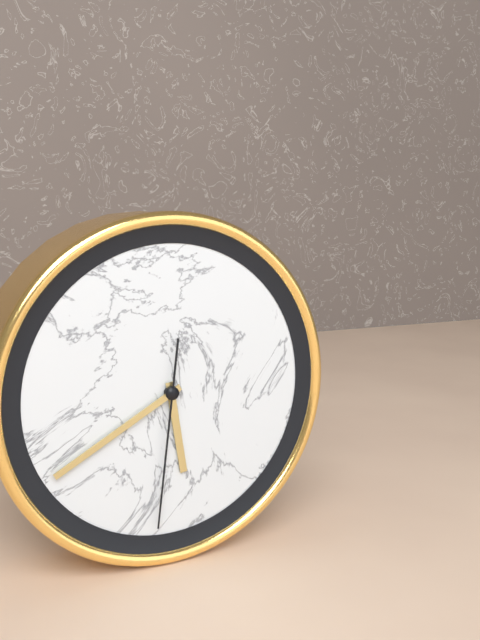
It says 5.40.31
